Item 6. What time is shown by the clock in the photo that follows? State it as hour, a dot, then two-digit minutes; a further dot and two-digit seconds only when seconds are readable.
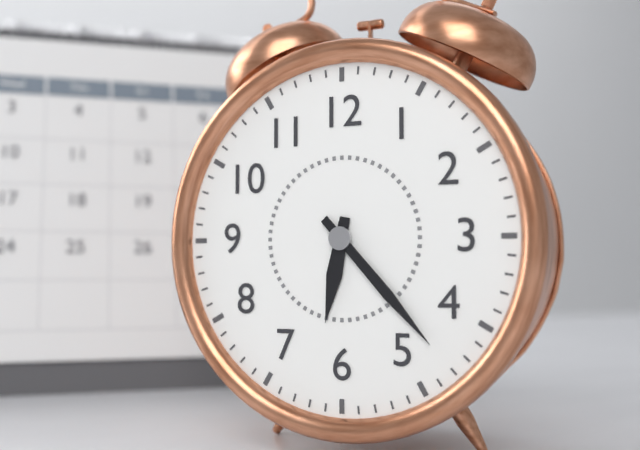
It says 6.23
